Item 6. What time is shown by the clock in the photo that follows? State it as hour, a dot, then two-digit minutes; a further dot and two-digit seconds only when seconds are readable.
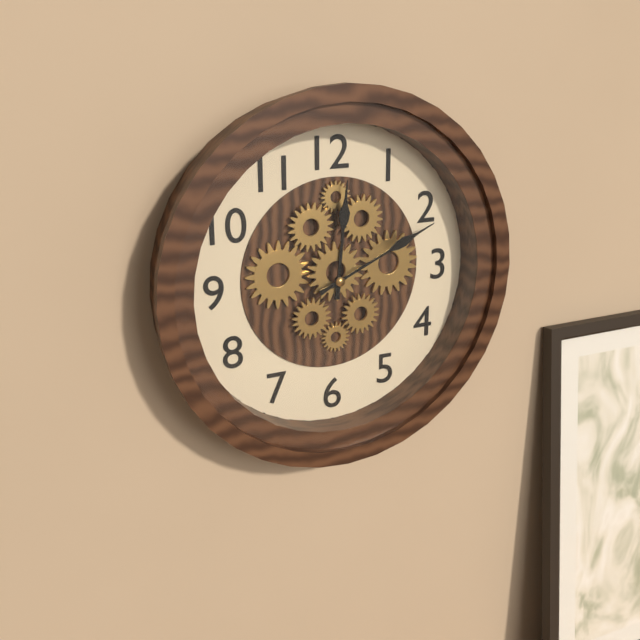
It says 12.11
